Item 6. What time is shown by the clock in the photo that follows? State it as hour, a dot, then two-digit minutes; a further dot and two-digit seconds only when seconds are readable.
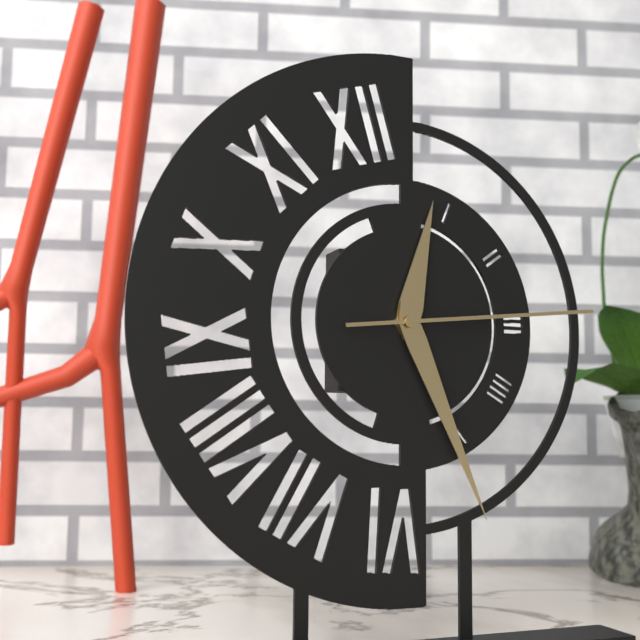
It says 12.26.14
